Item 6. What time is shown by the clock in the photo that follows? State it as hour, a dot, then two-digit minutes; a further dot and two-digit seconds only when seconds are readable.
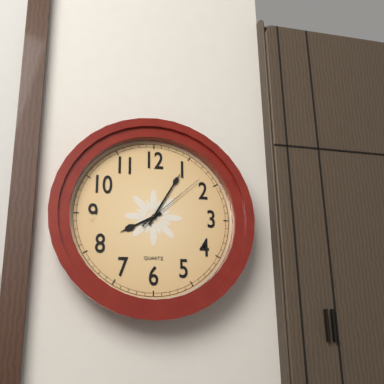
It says 8.05.08
